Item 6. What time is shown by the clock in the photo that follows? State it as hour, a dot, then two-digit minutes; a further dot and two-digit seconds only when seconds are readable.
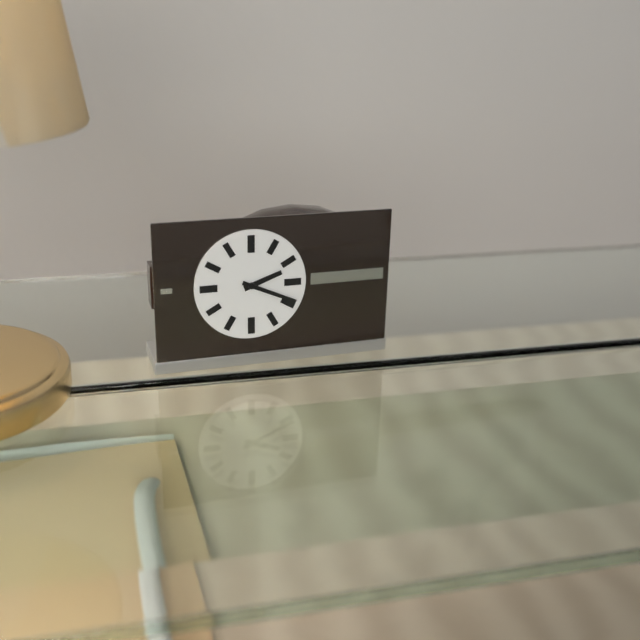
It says 2.19
